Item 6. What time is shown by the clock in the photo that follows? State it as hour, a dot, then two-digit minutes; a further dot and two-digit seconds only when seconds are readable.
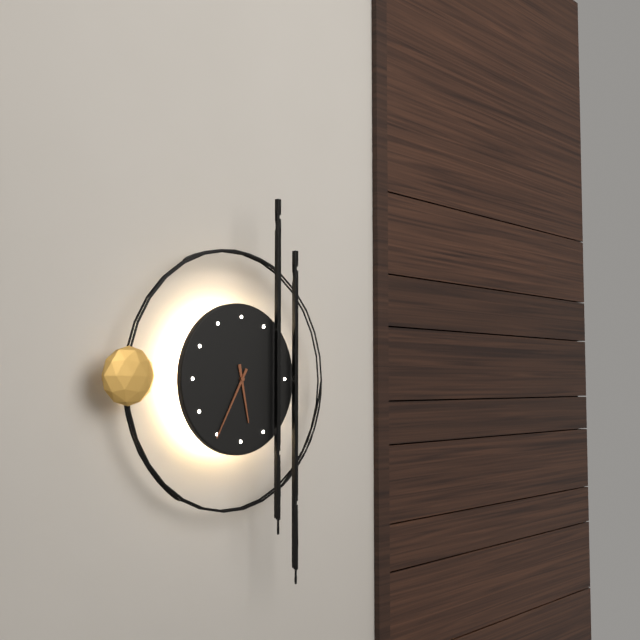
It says 5.35
